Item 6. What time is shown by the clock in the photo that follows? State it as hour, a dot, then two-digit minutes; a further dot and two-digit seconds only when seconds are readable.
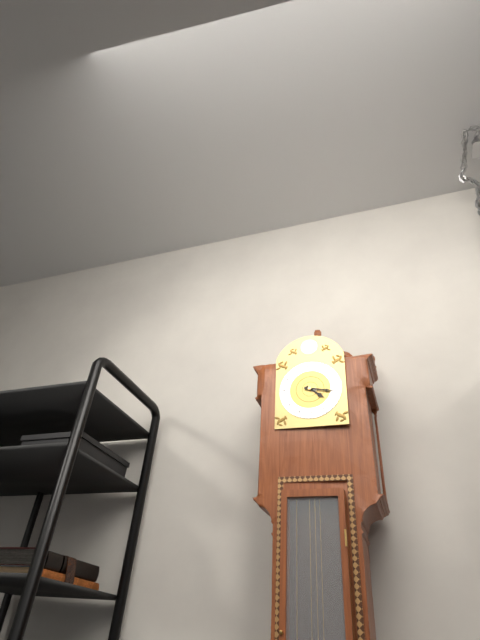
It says 4.17
